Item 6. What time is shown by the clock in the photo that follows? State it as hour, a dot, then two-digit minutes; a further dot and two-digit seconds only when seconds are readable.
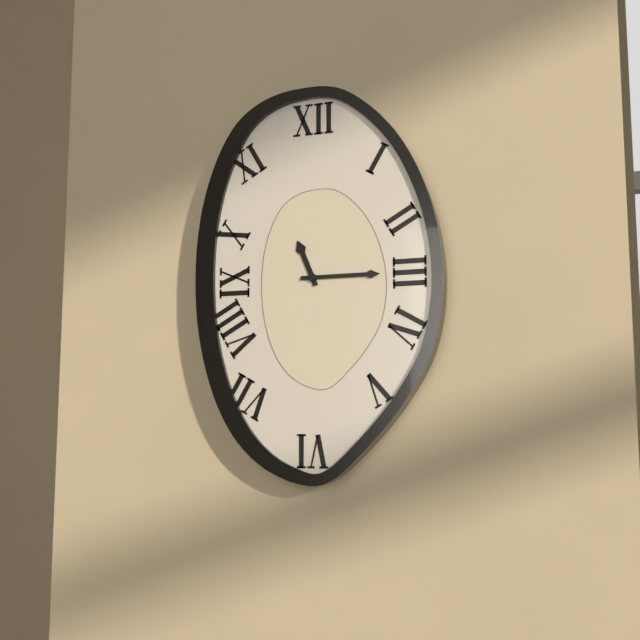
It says 11.15
